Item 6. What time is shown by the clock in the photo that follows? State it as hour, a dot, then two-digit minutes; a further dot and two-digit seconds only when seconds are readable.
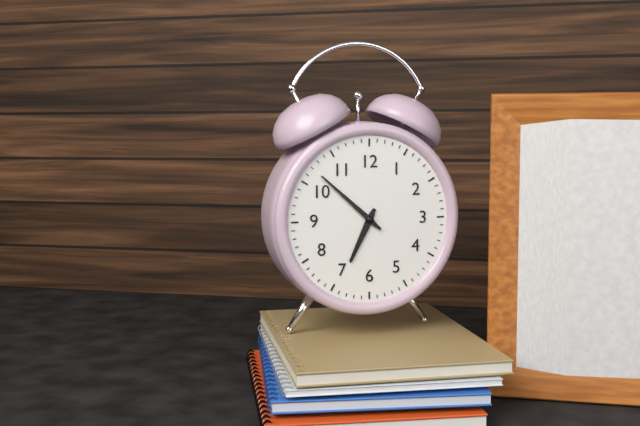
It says 6.52
